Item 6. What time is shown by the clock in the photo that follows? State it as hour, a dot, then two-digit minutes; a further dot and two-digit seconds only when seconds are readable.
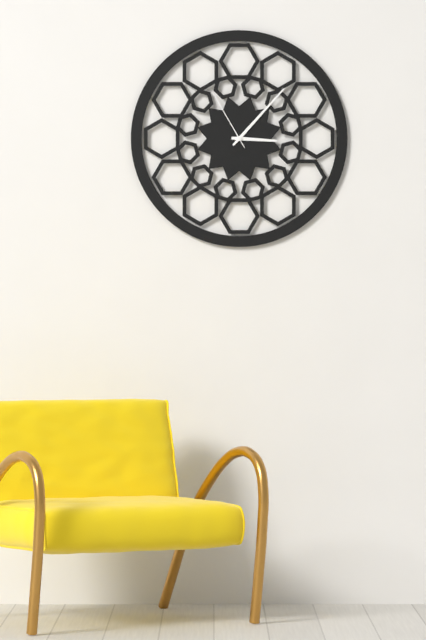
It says 3.07.55
